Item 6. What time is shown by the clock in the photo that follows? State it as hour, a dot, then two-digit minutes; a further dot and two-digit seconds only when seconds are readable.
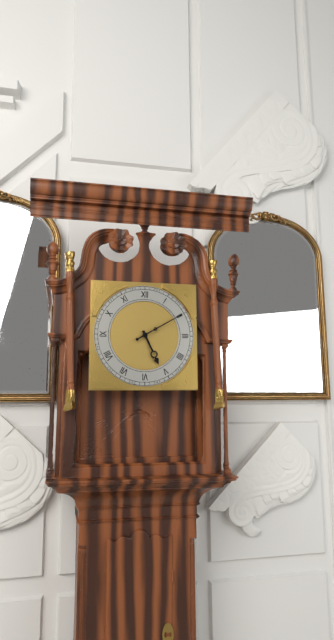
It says 5.10
